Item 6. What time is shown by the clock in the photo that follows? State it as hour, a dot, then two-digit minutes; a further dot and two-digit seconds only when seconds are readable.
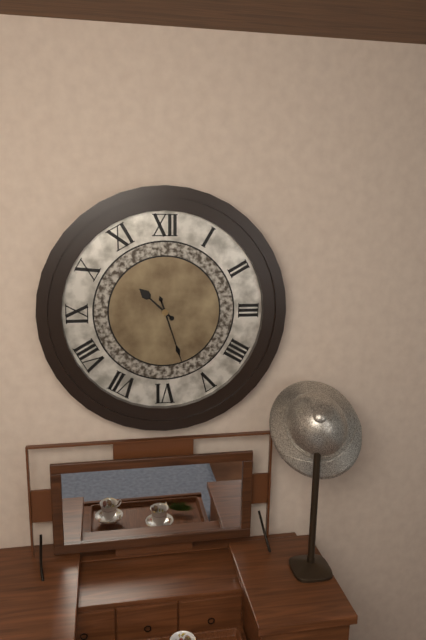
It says 10.27
